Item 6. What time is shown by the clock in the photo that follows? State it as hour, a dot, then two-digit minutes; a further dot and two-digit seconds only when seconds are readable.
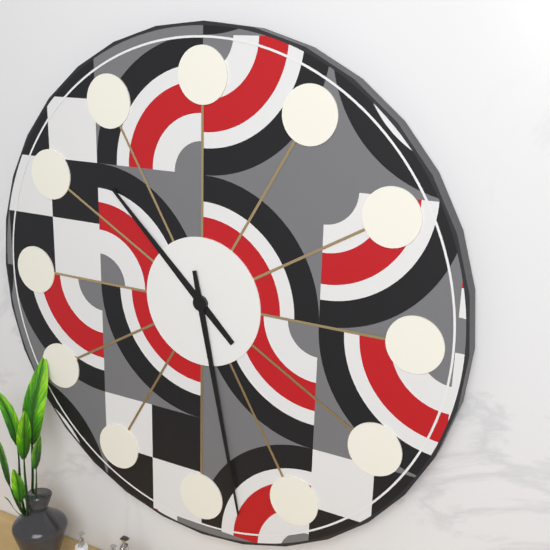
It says 10.28
